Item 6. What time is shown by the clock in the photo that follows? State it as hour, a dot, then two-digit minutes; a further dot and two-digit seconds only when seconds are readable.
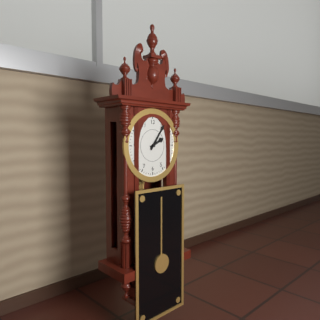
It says 2.06
